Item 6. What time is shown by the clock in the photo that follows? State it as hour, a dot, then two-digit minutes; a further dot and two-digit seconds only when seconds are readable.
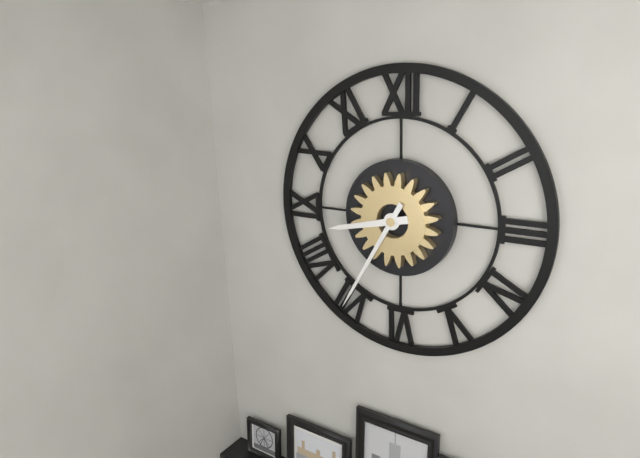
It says 8.35
